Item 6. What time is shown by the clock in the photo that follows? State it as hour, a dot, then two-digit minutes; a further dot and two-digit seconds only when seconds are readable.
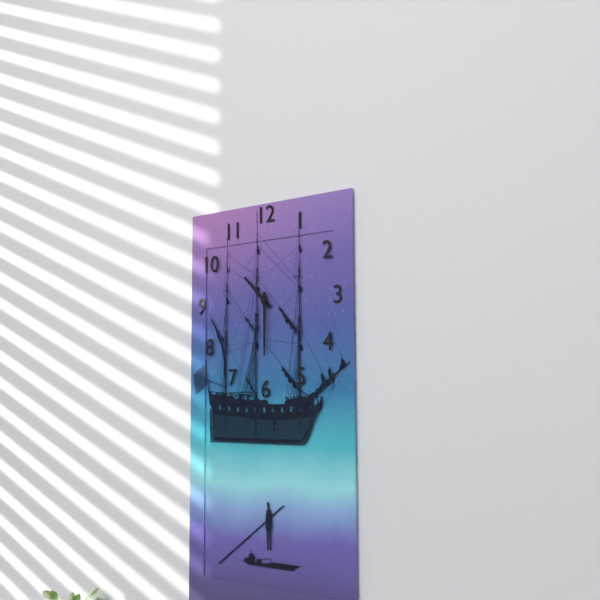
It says 10.30
